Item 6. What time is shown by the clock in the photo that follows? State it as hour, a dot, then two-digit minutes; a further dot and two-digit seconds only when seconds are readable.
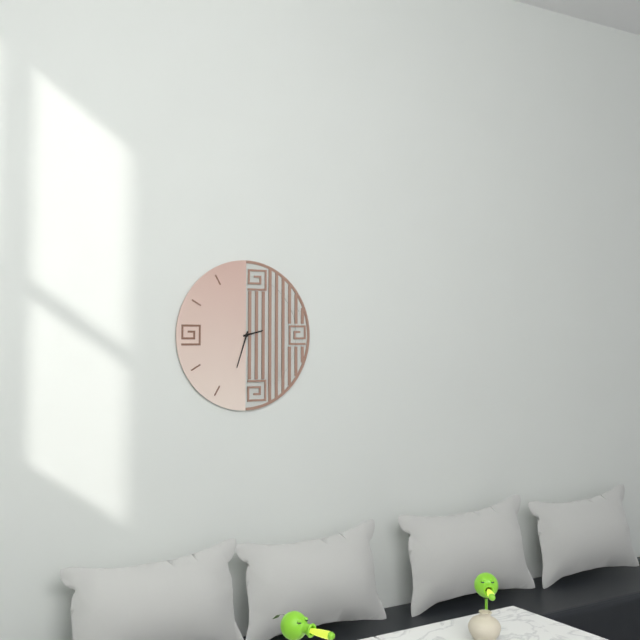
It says 2.33
